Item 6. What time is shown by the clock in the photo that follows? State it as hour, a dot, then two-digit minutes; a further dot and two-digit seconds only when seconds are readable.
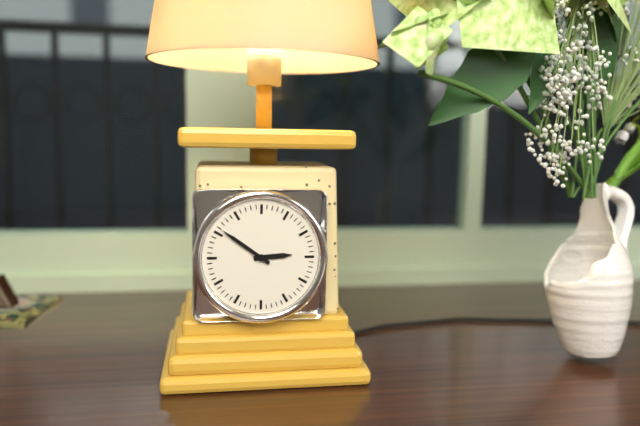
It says 2.51
